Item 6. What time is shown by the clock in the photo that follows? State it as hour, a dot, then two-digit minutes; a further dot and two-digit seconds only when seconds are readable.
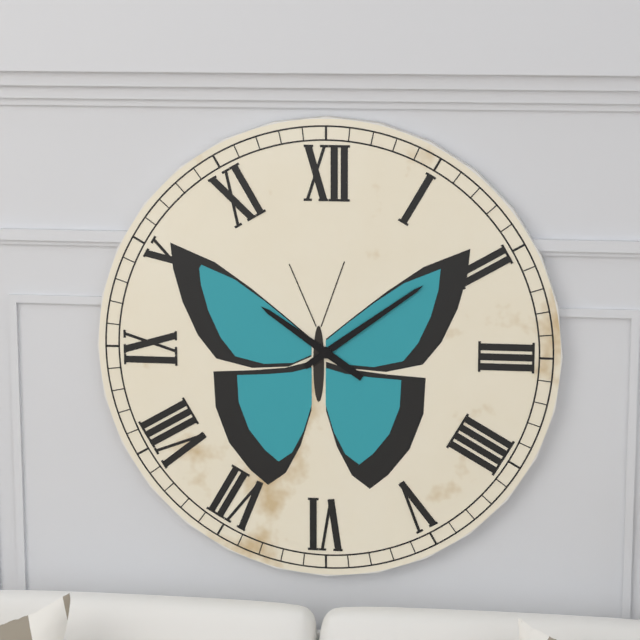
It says 10.09
